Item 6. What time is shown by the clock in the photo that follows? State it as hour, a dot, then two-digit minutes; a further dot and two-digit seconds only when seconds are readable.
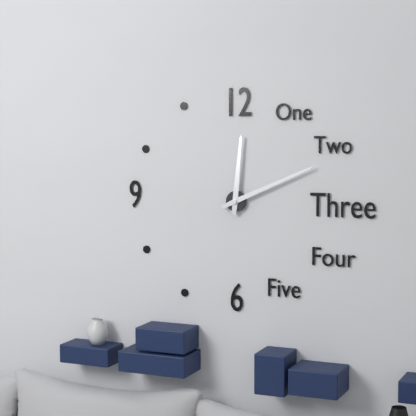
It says 12.11
